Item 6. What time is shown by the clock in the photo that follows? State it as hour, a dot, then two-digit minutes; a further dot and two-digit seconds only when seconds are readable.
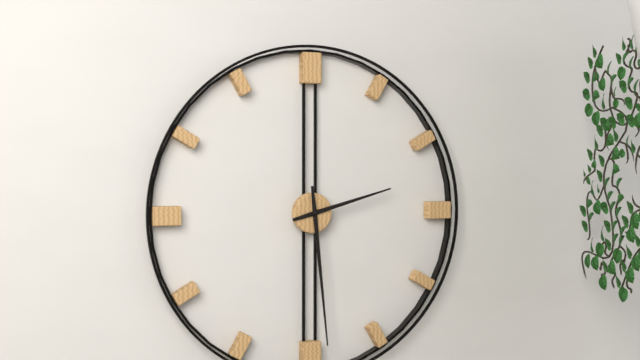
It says 2.29
